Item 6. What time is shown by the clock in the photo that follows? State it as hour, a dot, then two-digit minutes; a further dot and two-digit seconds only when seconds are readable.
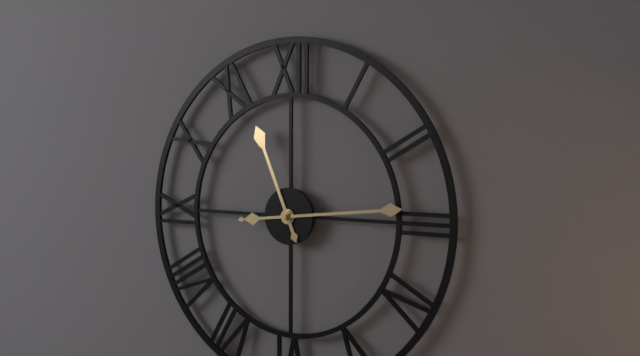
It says 11.14
